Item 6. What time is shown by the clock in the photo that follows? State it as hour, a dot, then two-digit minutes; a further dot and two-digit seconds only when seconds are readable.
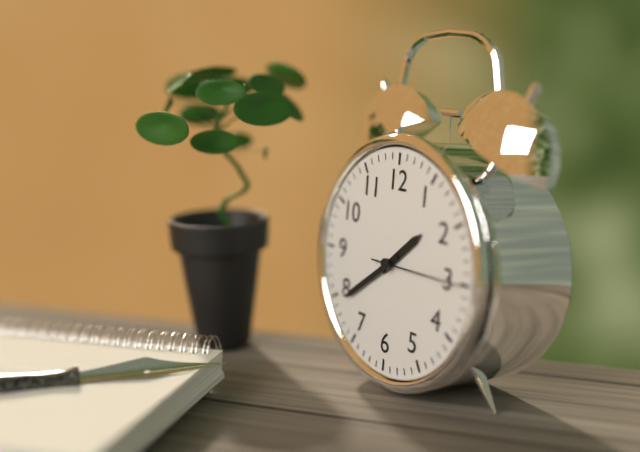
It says 1.39.15
